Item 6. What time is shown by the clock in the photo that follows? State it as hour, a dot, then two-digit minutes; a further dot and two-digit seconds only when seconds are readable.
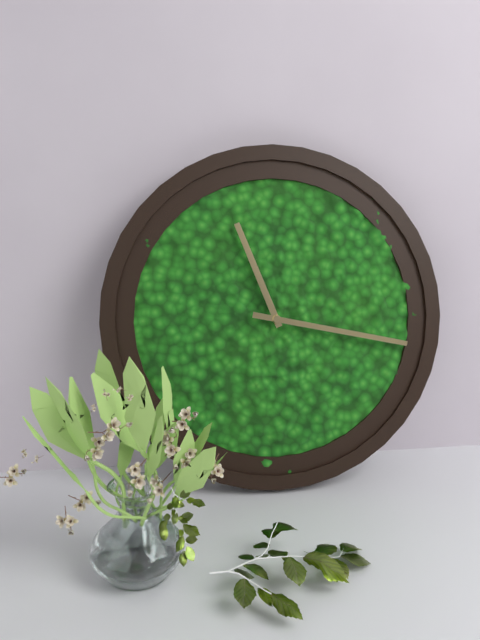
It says 11.17
